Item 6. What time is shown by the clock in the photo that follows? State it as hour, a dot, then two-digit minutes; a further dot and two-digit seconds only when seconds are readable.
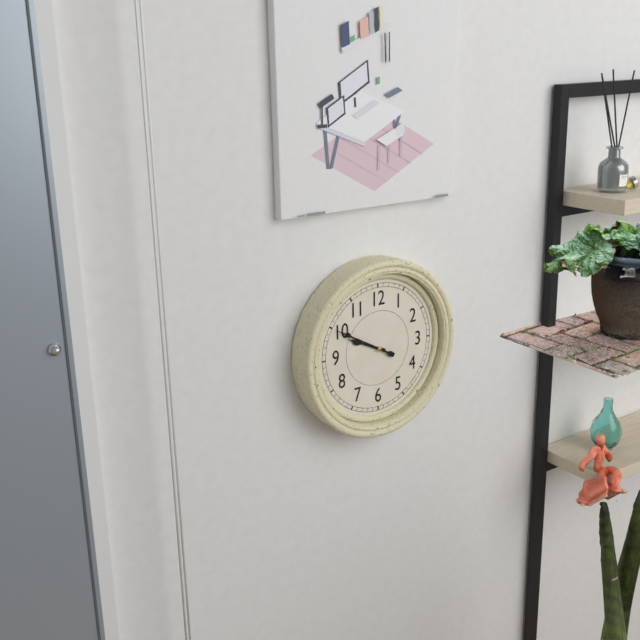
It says 9.50
